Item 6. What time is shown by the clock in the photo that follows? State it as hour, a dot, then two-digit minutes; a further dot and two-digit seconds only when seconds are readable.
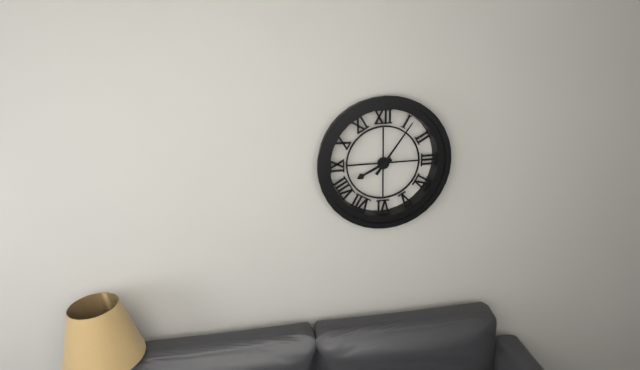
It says 8.06
